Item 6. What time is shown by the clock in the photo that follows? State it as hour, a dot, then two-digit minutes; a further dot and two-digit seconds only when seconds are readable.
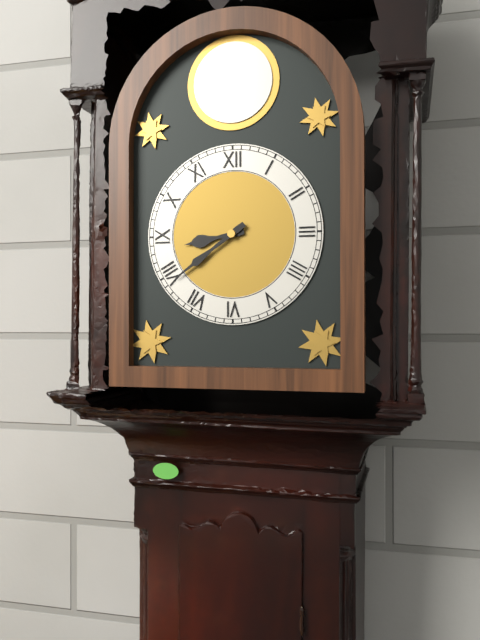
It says 8.39
